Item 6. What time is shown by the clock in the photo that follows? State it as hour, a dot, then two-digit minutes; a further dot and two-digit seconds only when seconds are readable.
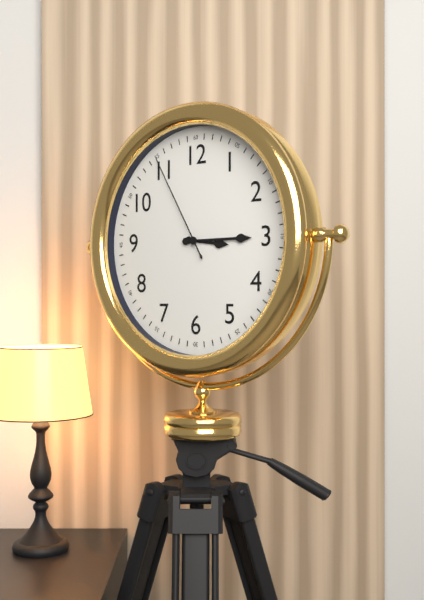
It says 3.15.55
